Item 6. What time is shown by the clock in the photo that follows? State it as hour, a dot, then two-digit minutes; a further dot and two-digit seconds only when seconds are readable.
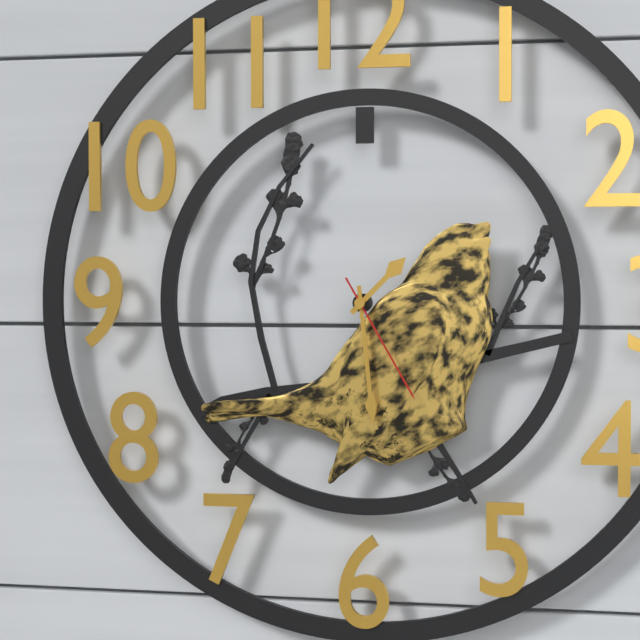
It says 1.29.25
